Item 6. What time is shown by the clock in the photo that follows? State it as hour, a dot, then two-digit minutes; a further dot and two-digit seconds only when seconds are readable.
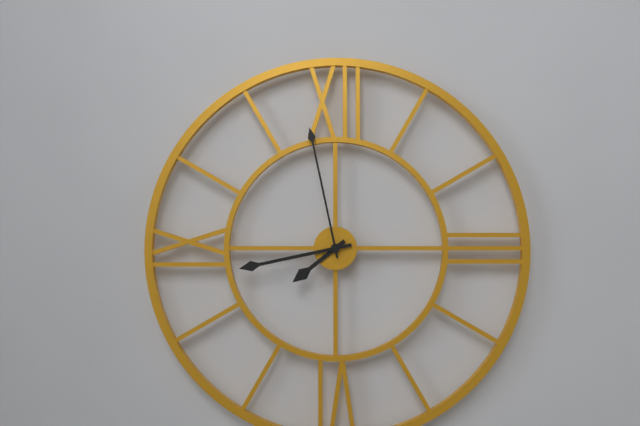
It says 7.43.58
